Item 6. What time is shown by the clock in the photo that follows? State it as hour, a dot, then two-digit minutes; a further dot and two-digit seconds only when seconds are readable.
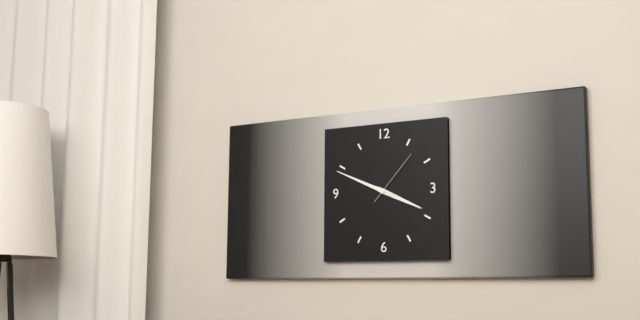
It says 3.49.07
